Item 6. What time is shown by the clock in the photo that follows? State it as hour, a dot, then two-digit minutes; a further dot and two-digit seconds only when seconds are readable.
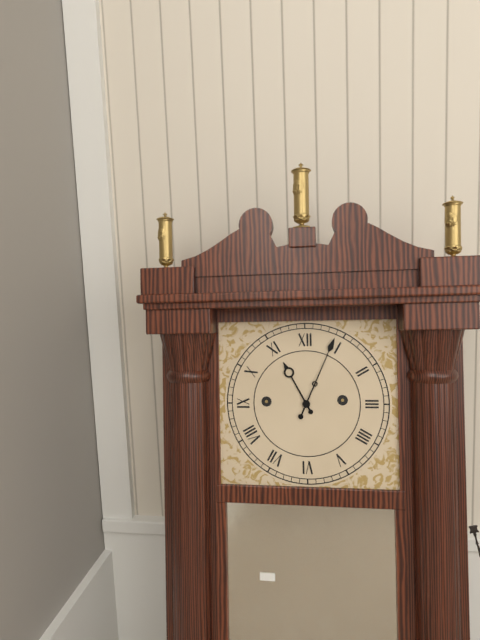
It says 11.04
